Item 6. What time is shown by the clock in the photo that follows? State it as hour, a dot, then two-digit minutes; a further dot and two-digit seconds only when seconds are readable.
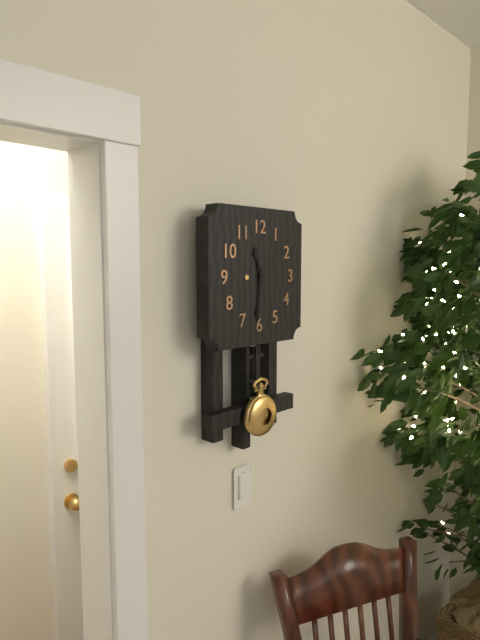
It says 11.31
